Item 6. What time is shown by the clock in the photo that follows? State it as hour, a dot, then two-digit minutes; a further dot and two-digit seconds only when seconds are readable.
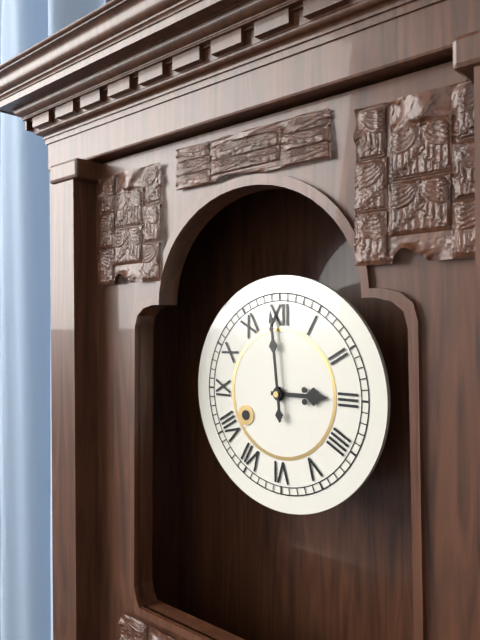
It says 2.59
